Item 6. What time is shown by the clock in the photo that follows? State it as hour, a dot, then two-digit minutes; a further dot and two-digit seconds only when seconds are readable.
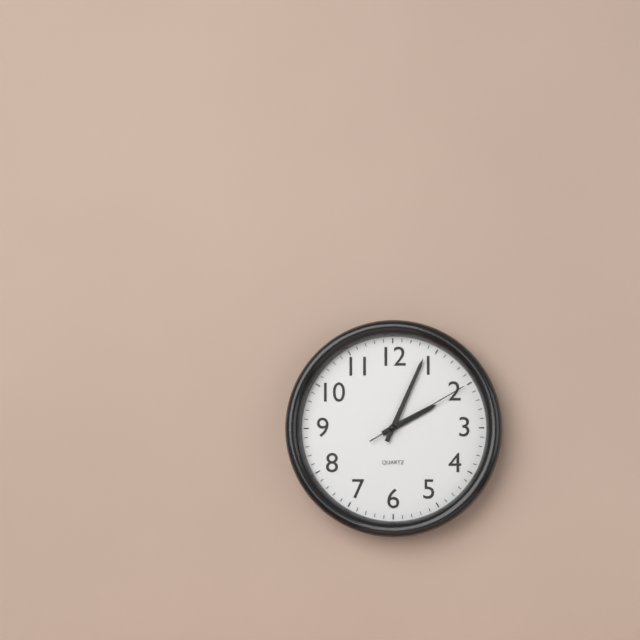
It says 2.04.10
